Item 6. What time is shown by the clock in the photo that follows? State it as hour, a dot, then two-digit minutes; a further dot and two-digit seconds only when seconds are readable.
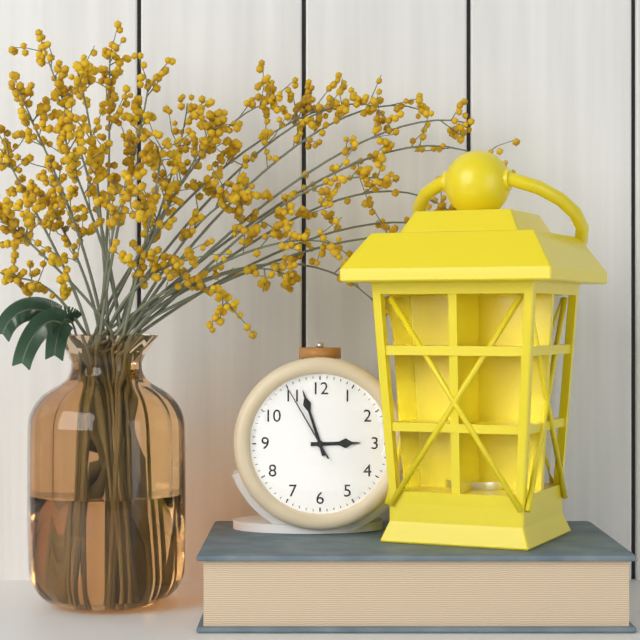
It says 2.57.55
